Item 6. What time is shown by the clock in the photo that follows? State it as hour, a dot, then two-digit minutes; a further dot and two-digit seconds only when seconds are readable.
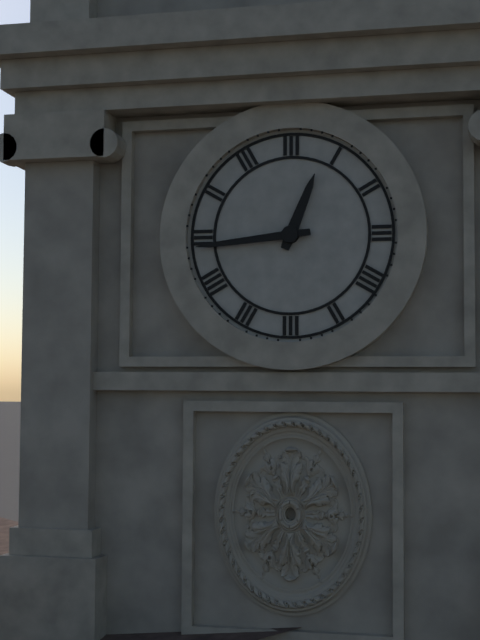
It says 12.44
